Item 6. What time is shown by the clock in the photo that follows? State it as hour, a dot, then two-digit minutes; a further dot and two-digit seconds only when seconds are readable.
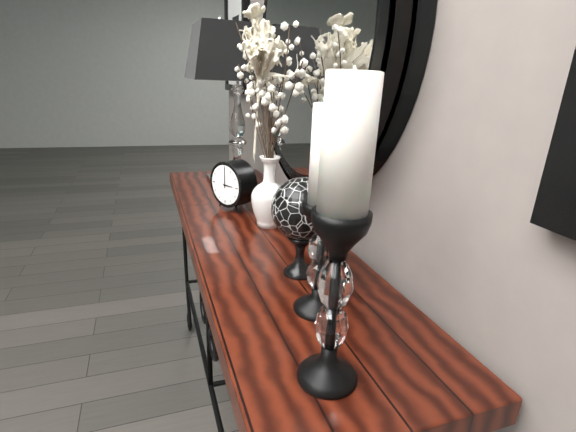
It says 3.00
